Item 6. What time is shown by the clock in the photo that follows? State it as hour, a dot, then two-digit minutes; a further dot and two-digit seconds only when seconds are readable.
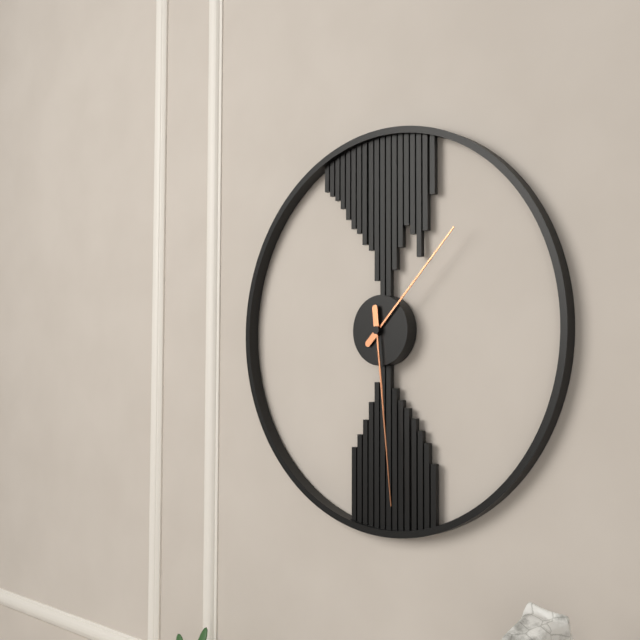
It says 1.29
